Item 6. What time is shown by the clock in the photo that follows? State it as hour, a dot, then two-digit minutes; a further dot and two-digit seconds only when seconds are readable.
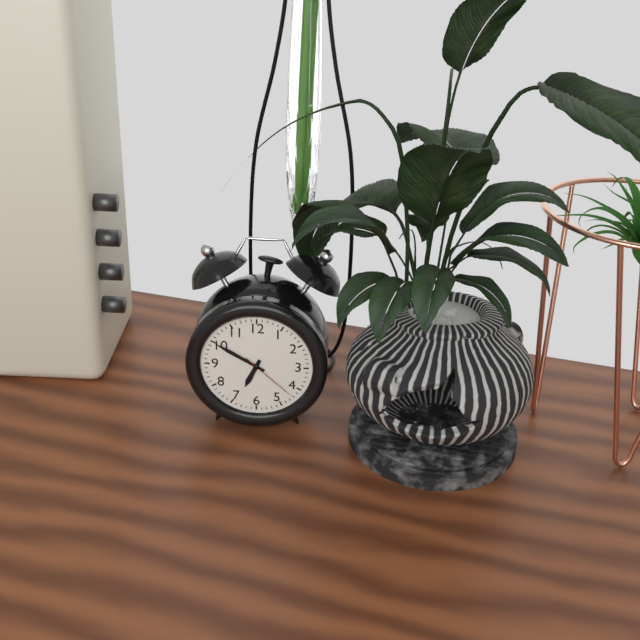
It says 6.50.22
